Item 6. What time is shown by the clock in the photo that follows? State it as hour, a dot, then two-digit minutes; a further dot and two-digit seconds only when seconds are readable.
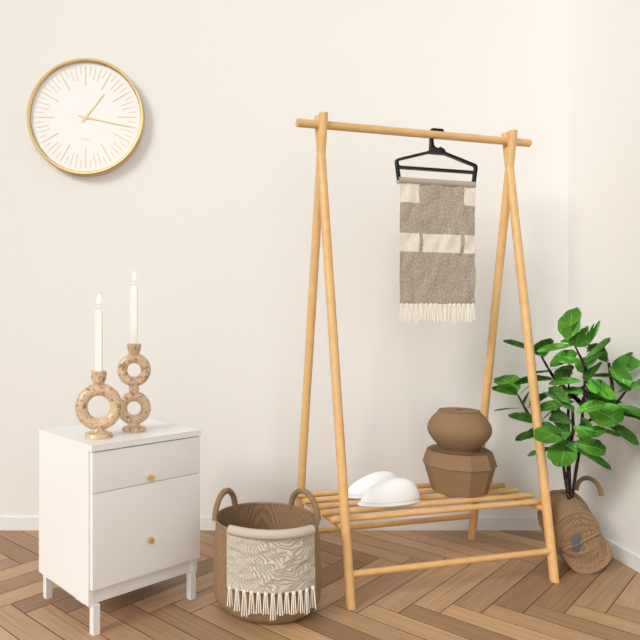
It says 1.17
